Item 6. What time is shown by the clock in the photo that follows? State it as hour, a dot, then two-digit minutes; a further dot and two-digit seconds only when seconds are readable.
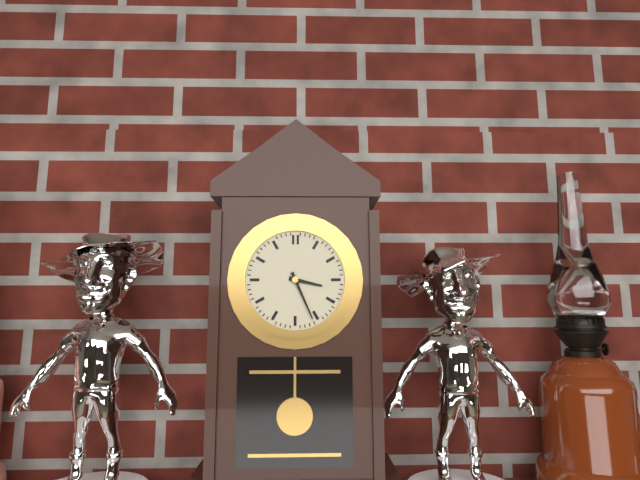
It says 3.26
